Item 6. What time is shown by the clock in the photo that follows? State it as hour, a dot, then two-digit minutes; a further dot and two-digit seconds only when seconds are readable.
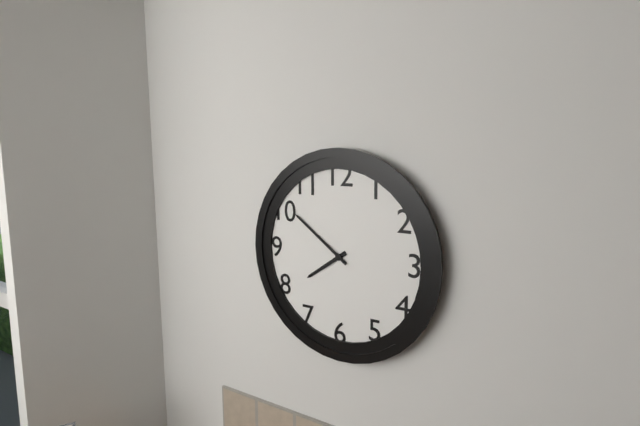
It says 7.51
